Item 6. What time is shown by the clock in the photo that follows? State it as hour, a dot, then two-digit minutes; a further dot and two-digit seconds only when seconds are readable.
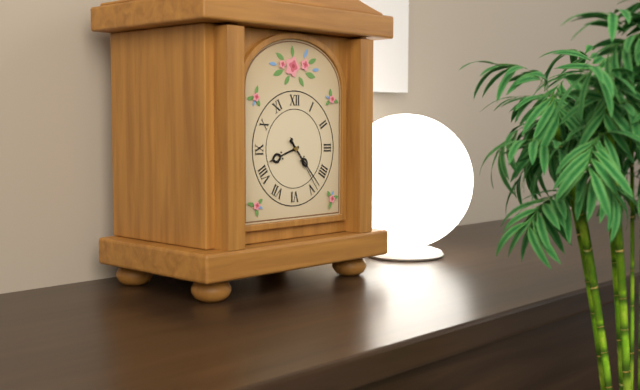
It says 8.23.24
